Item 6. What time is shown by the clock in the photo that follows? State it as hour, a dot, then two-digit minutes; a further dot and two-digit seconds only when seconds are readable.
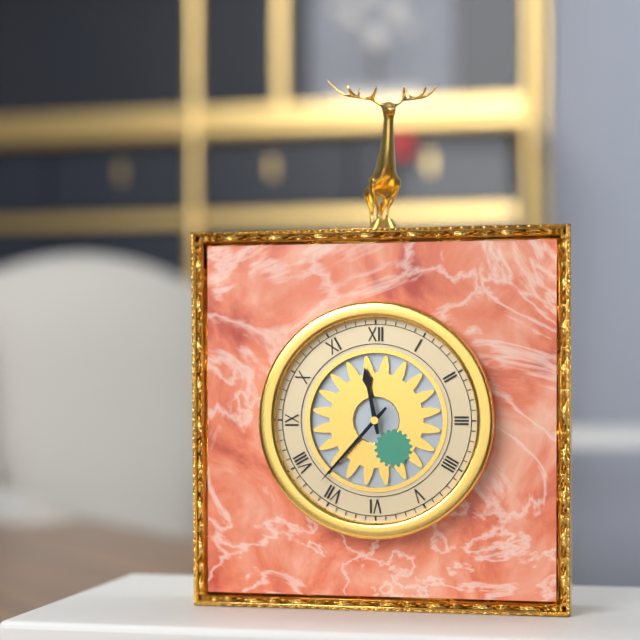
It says 11.37
